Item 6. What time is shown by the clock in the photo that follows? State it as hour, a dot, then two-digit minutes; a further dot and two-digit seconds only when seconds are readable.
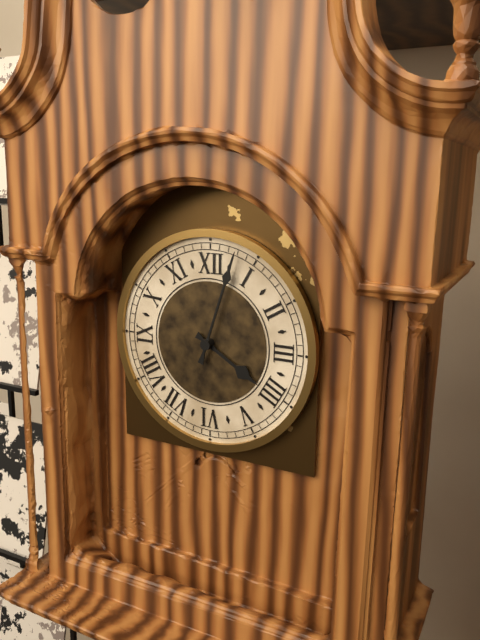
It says 4.03
